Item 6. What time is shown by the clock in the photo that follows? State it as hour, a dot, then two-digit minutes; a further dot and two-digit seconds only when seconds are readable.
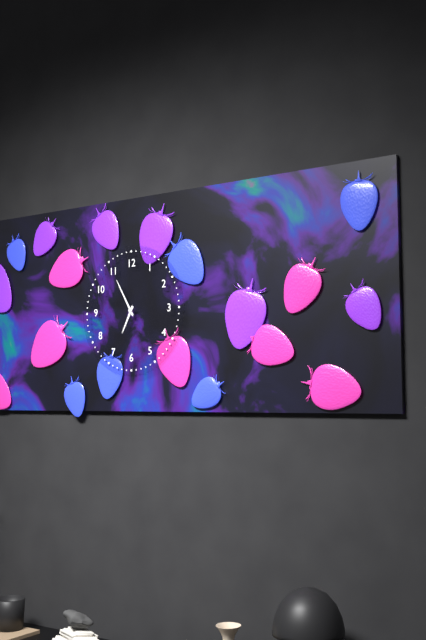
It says 6.55
